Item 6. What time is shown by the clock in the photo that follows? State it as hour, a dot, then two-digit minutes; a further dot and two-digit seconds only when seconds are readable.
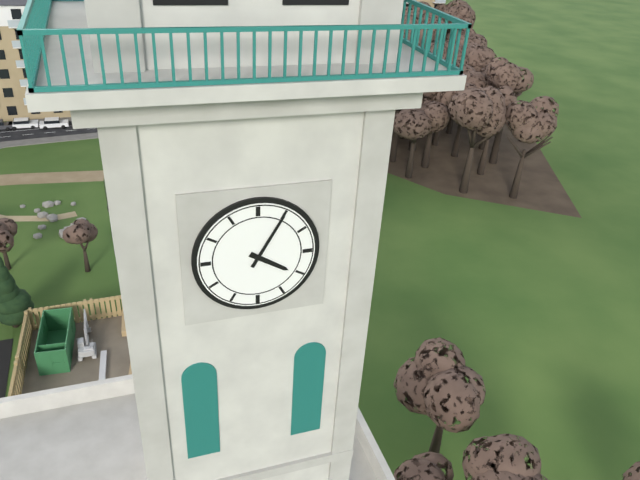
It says 4.05
